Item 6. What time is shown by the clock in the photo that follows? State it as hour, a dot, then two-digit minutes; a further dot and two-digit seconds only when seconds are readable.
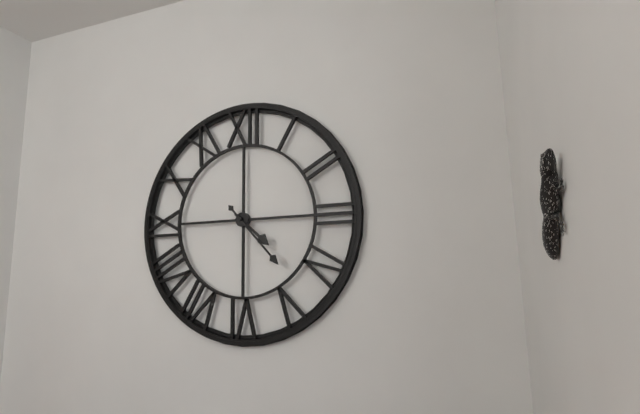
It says 4.23
